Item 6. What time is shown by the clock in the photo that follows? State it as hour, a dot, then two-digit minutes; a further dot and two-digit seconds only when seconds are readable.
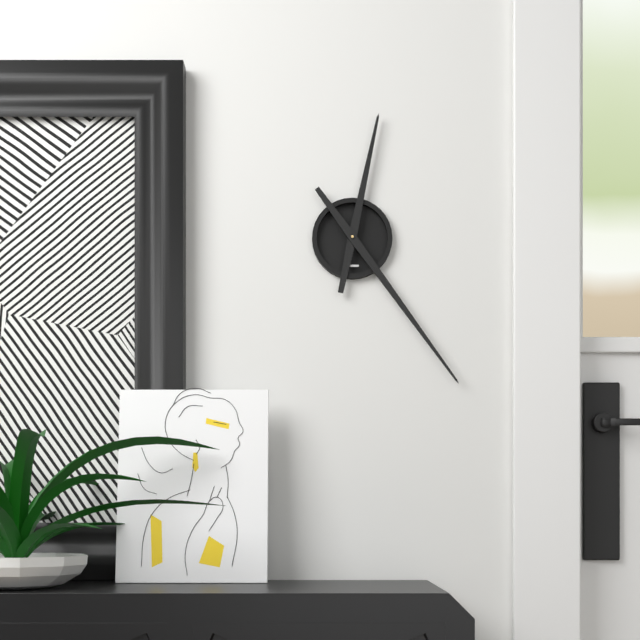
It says 12.24
